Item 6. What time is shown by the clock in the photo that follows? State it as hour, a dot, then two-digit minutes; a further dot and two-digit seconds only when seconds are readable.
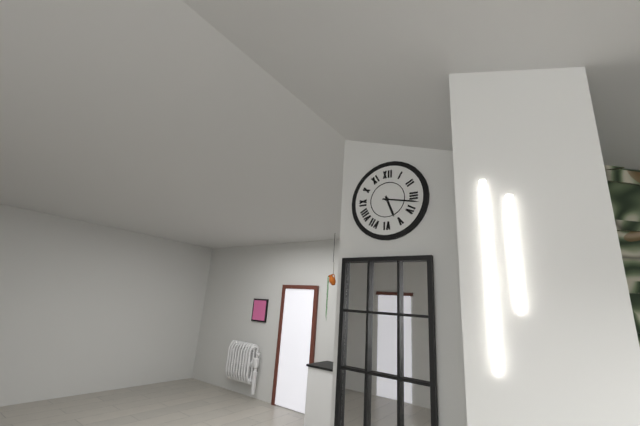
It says 5.17
